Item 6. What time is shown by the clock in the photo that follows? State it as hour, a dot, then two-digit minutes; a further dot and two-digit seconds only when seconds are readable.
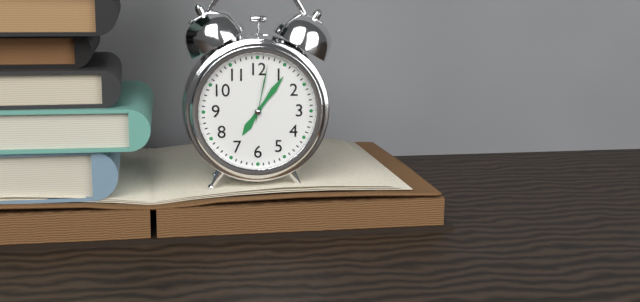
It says 7.06.02
